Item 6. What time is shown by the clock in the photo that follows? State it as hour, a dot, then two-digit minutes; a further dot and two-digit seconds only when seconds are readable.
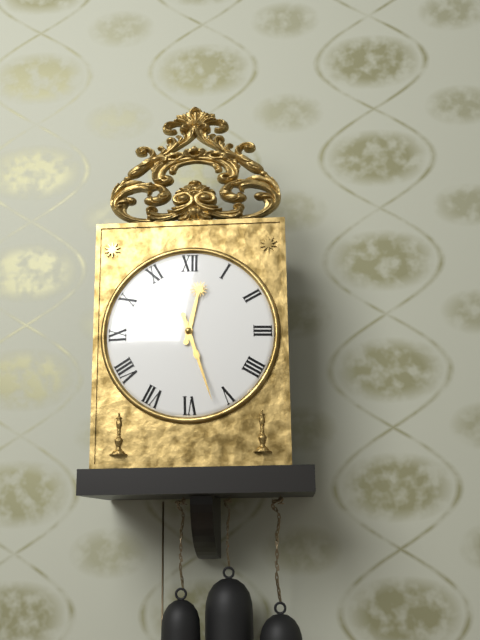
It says 12.27
